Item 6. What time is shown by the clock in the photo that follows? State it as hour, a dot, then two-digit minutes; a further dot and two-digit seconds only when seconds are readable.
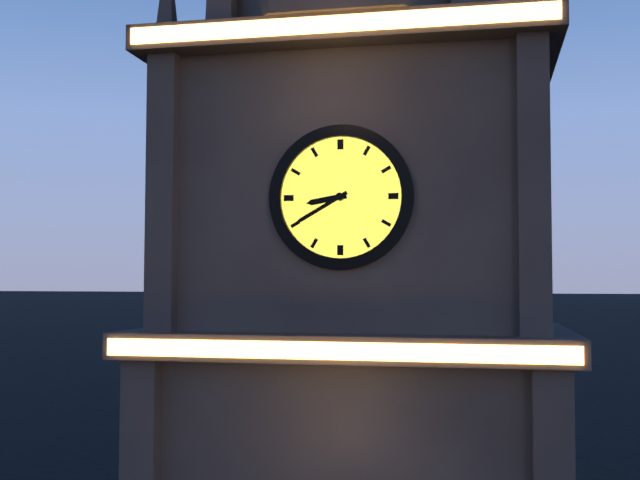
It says 8.40
